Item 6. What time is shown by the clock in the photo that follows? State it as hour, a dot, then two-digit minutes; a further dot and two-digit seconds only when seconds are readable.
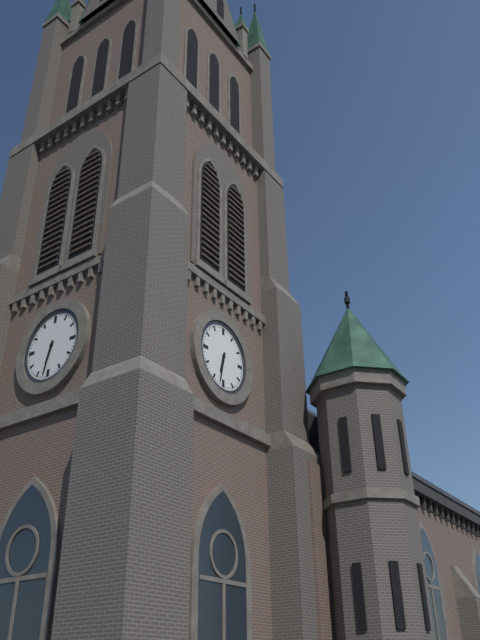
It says 6.32
